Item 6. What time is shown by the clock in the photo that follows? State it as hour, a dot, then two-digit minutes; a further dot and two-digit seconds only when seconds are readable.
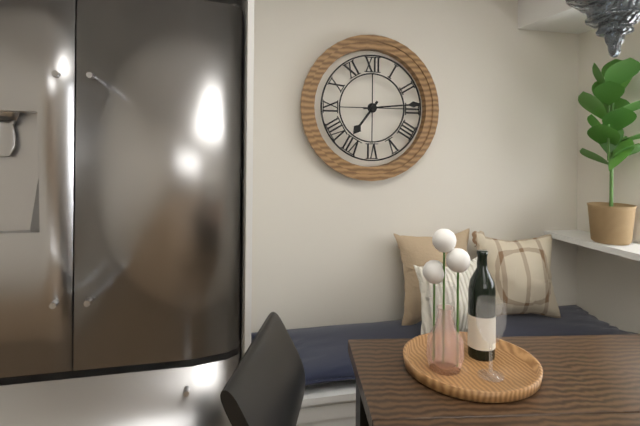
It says 7.14
